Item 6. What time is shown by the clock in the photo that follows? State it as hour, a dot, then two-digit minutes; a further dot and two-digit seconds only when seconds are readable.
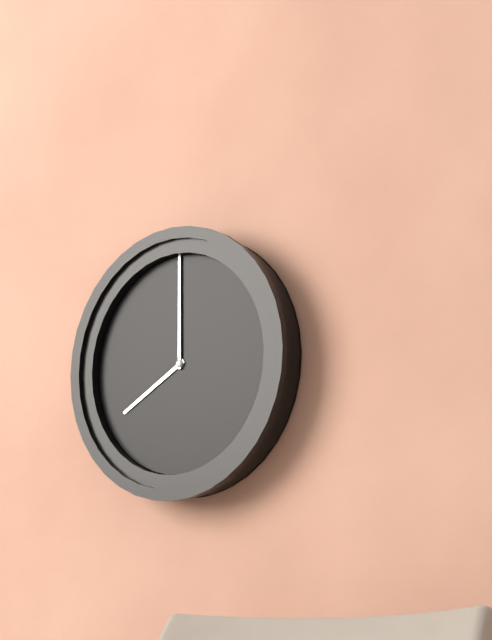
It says 8.00
